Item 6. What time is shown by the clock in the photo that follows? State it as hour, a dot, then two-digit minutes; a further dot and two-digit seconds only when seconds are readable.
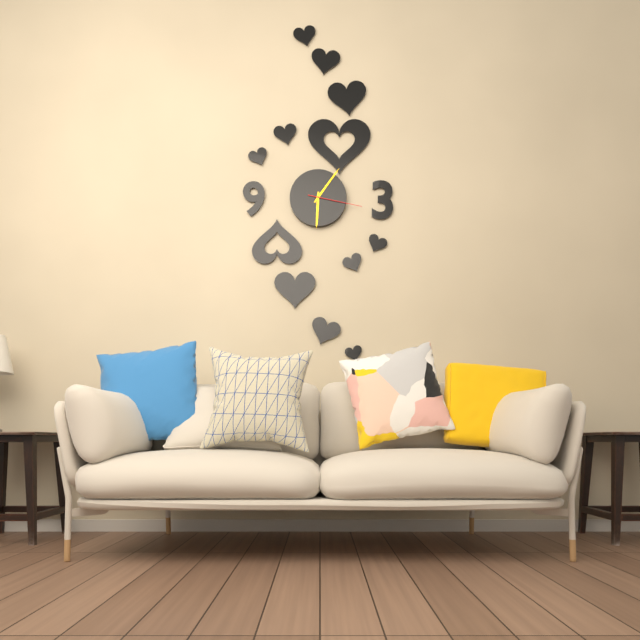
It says 6.06.17
